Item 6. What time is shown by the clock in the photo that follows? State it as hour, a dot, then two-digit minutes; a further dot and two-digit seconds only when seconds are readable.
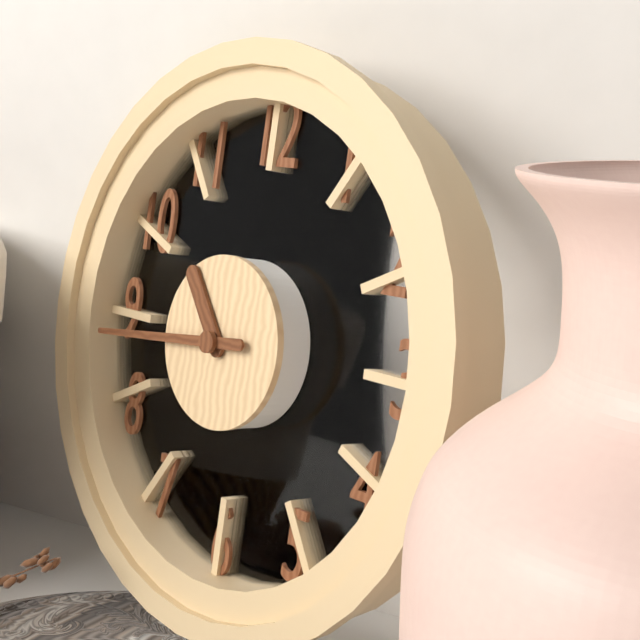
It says 10.44
